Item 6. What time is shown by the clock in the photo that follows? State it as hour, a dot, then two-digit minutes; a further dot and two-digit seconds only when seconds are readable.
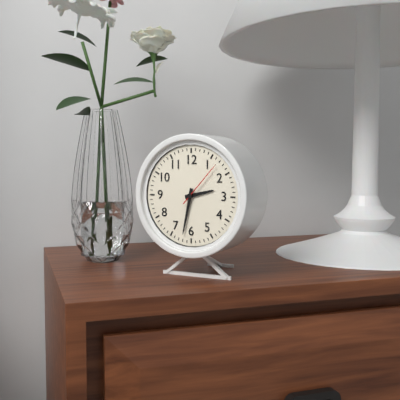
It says 2.32.07
